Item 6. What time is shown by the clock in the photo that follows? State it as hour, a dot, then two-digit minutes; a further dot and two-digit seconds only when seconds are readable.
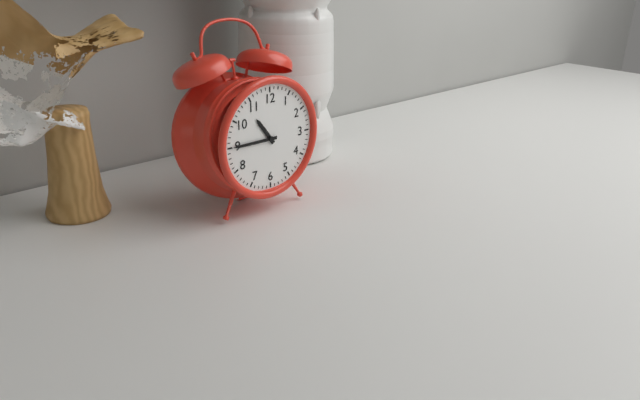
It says 10.45
